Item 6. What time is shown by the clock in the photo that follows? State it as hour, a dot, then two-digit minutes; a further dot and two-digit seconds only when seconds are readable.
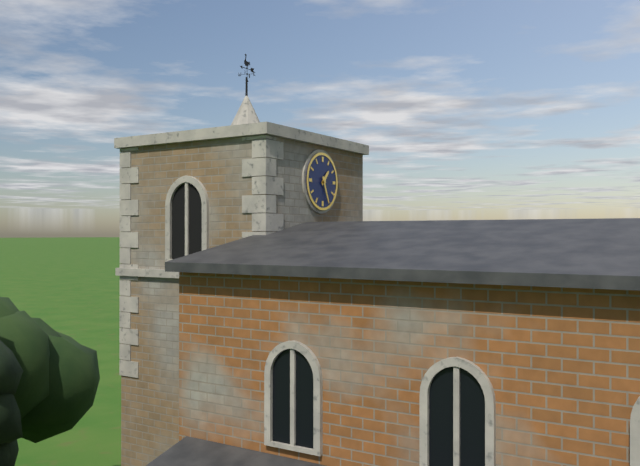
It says 1.26
